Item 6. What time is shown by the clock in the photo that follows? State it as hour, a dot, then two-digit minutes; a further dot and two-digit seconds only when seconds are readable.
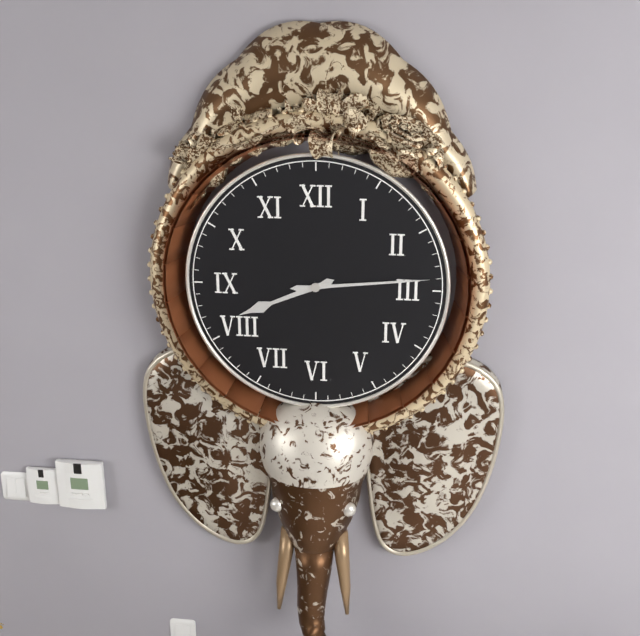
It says 8.14
